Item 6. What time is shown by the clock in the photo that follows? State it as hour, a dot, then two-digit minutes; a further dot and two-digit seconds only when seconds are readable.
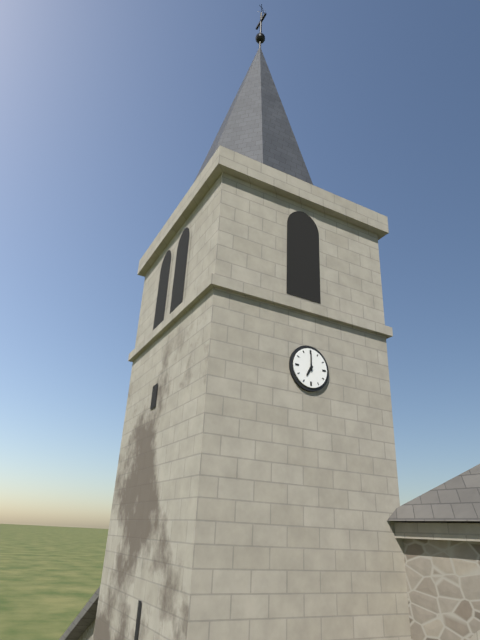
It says 7.00
